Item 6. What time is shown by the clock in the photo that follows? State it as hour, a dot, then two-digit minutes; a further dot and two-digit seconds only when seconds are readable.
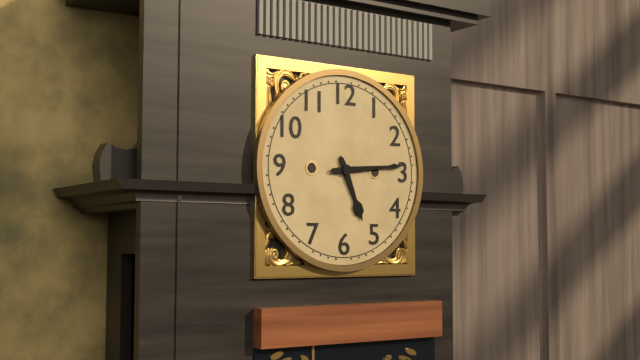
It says 5.14
